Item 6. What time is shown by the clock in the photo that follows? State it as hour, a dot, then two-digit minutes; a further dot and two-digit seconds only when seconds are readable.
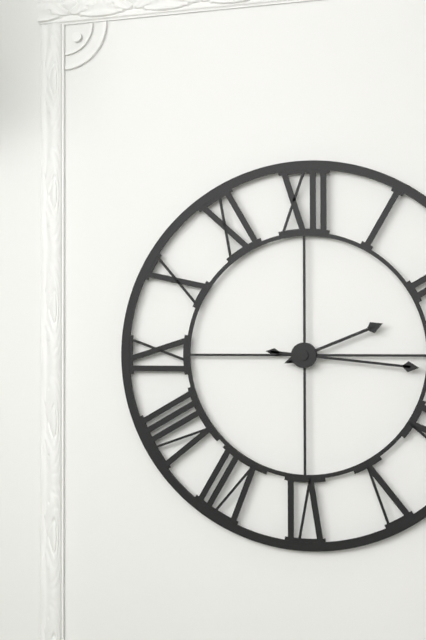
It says 2.16
